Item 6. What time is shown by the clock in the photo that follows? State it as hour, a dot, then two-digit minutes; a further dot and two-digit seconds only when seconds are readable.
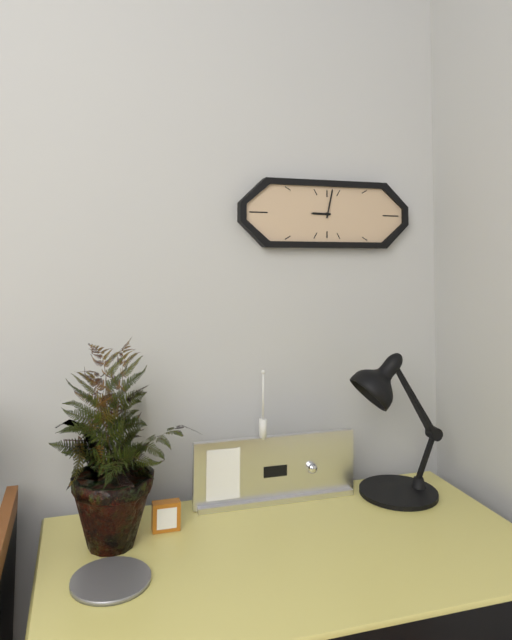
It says 9.02
